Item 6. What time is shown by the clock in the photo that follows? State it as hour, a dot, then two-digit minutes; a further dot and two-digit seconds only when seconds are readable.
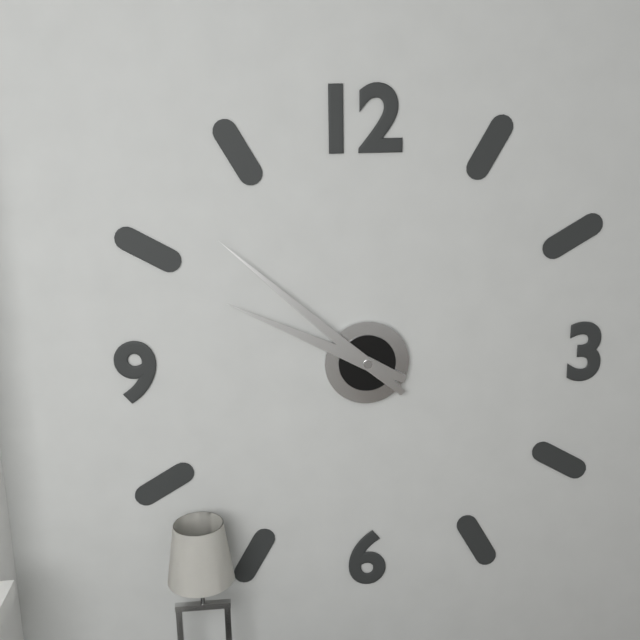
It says 9.52
